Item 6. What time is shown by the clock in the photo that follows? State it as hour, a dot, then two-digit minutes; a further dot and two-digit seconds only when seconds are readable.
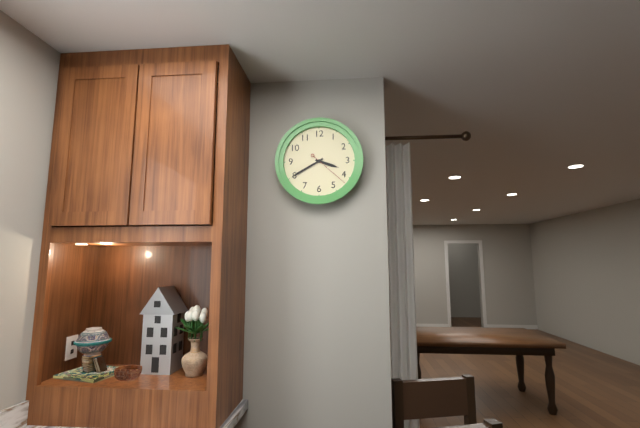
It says 3.40
